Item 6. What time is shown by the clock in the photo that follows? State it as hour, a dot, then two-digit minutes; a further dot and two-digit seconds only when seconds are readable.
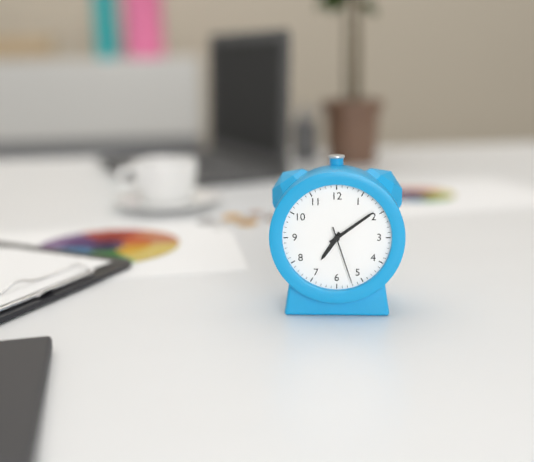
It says 7.09.27
